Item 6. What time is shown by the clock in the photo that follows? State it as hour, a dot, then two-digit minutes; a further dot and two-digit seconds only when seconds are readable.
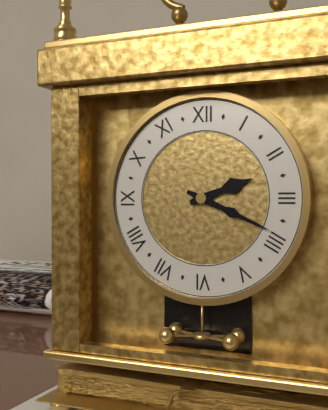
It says 2.19
